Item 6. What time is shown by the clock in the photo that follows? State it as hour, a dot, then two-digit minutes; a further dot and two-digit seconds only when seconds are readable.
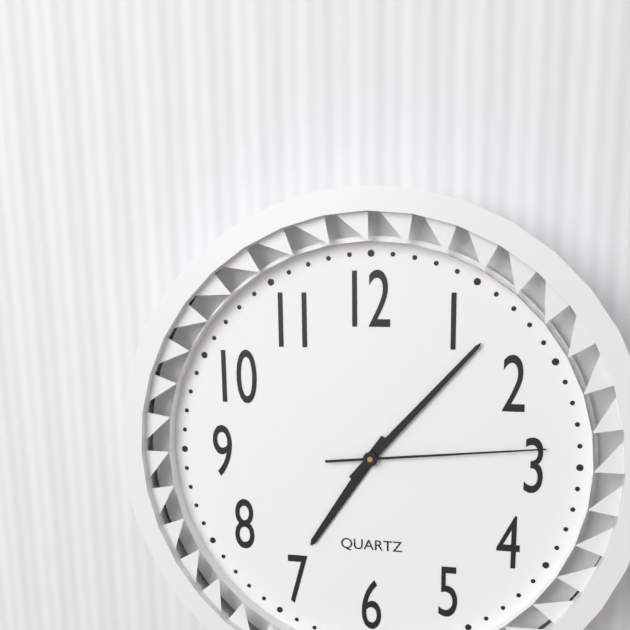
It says 7.07.14
